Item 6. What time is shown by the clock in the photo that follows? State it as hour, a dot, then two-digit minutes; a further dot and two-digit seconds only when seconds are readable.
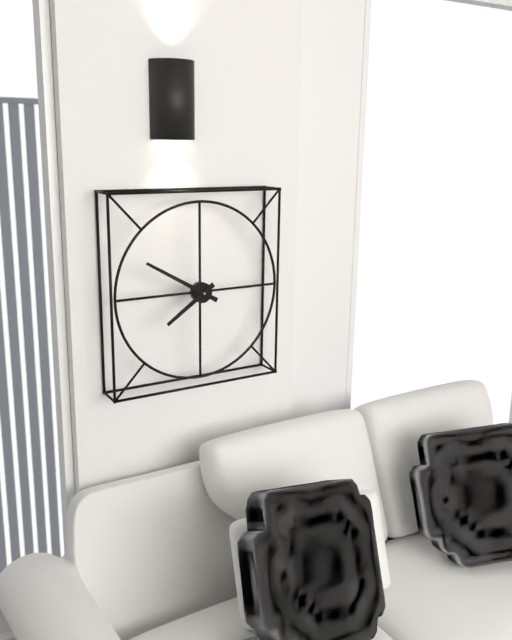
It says 7.50
